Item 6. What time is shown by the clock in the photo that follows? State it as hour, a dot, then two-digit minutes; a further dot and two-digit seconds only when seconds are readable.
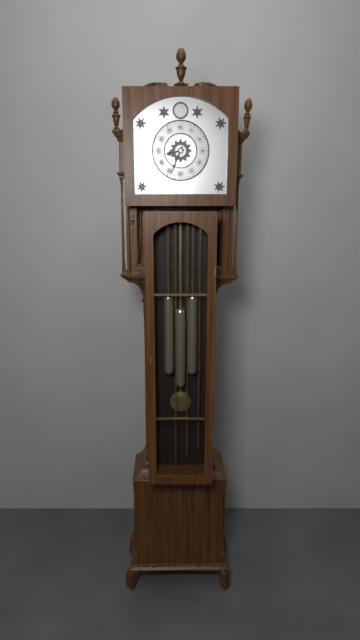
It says 8.34
